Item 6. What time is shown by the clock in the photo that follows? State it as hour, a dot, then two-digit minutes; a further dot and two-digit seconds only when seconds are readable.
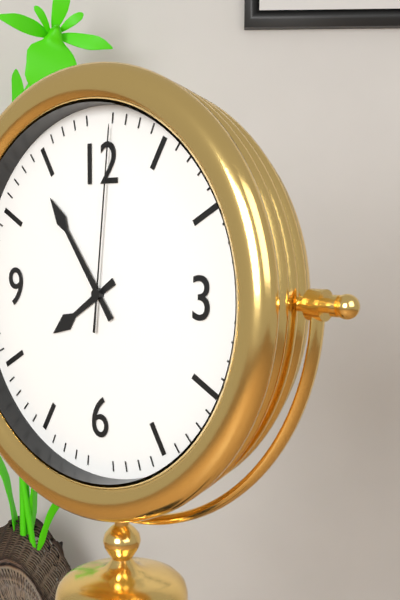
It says 7.54.01
